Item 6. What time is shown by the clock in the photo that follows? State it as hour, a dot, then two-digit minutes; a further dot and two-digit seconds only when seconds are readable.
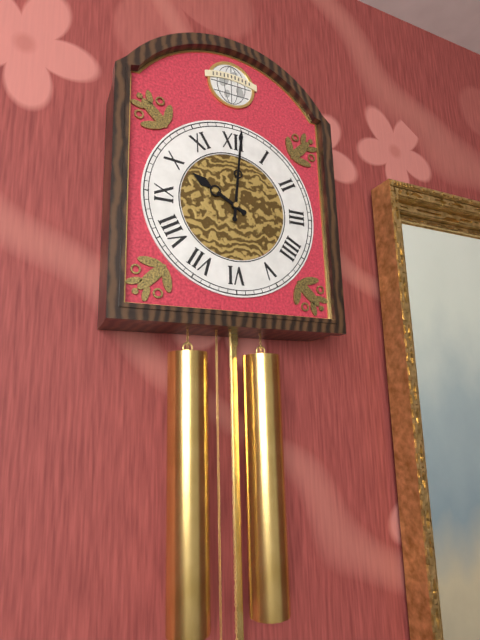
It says 10.01
